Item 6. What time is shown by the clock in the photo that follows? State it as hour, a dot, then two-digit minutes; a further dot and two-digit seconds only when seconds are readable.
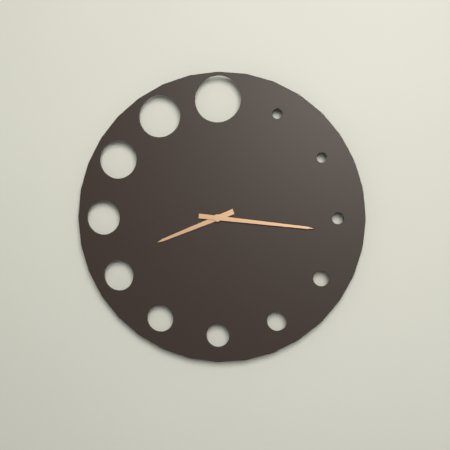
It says 8.16
